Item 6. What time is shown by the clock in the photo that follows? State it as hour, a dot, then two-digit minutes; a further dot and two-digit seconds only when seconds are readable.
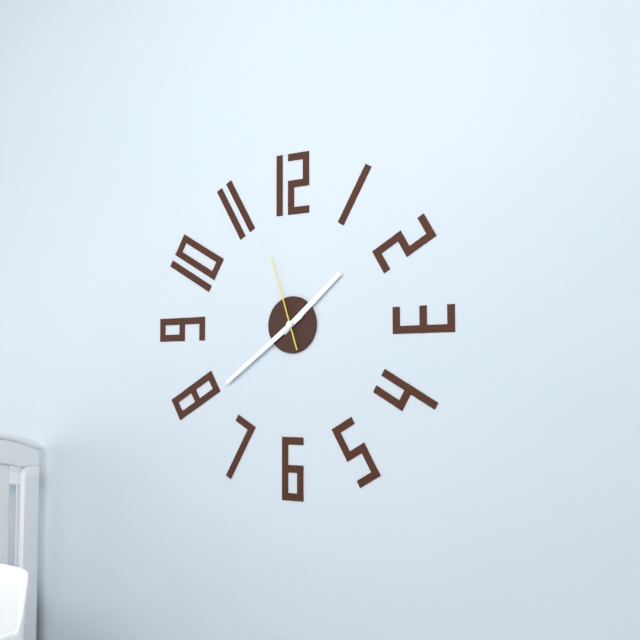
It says 1.39.57
